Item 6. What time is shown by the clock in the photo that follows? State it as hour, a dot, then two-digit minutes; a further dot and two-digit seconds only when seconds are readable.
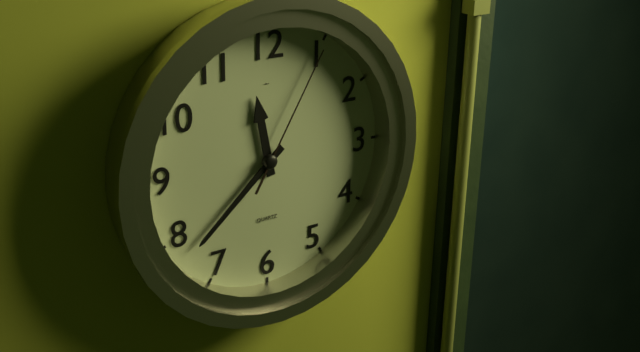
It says 11.38.05
